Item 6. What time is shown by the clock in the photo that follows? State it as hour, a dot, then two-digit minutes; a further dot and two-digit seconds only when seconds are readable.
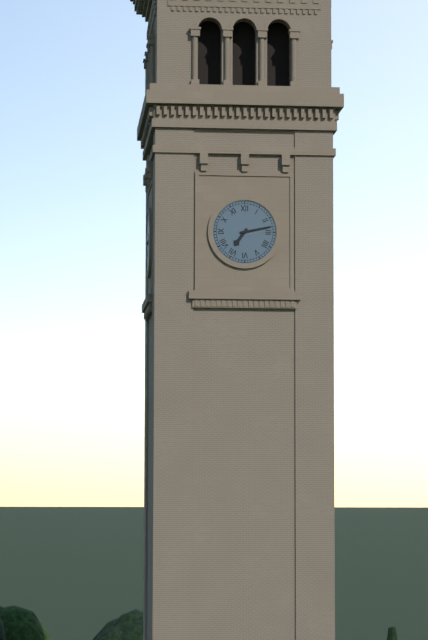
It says 7.13
